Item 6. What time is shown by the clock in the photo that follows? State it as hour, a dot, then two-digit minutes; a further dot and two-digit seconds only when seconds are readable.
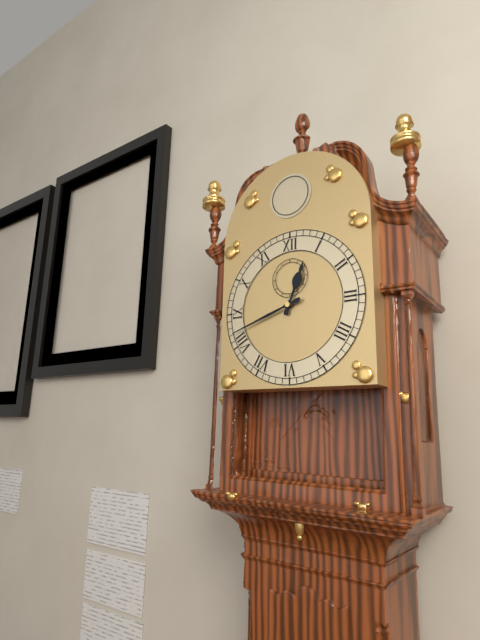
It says 12.42
